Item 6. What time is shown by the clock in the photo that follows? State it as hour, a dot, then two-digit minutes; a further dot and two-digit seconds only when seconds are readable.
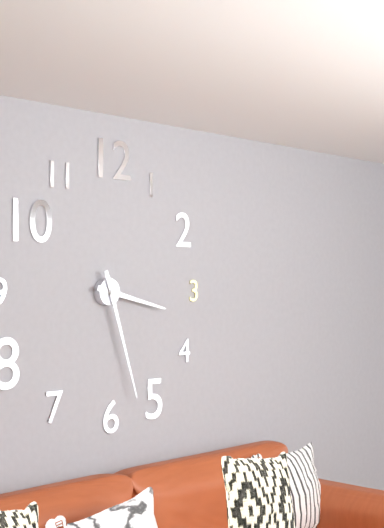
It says 3.27
